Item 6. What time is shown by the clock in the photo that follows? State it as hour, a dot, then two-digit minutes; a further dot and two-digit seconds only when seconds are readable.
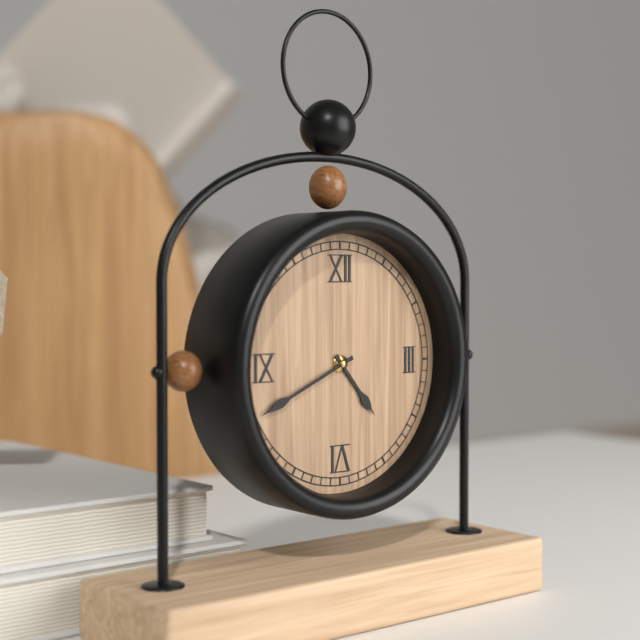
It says 4.41
